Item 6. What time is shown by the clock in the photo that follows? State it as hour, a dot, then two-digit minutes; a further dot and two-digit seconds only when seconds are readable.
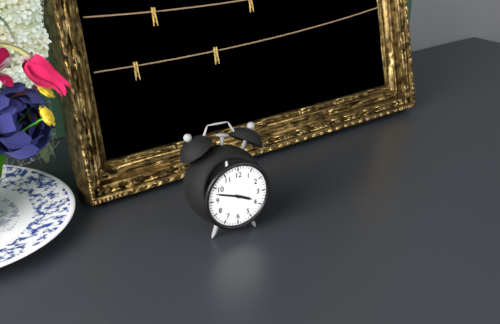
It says 3.48
